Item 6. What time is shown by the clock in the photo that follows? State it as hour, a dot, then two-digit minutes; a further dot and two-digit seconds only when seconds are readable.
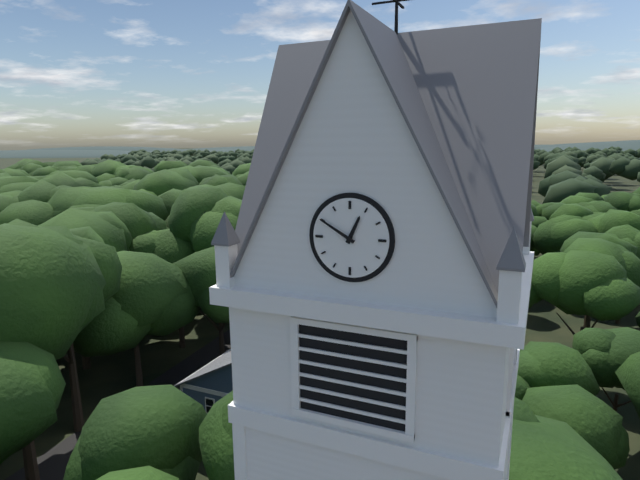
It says 12.50
